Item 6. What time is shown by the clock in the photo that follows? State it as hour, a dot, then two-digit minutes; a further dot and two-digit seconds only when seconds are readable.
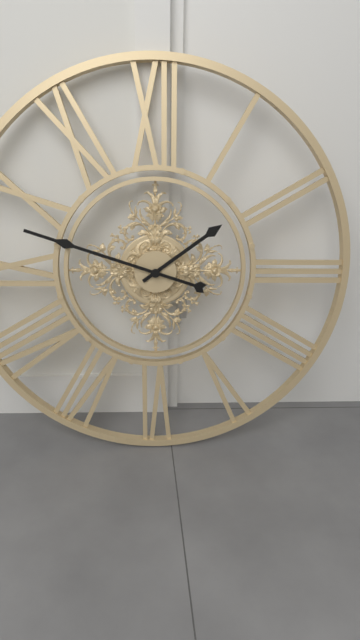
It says 1.48
